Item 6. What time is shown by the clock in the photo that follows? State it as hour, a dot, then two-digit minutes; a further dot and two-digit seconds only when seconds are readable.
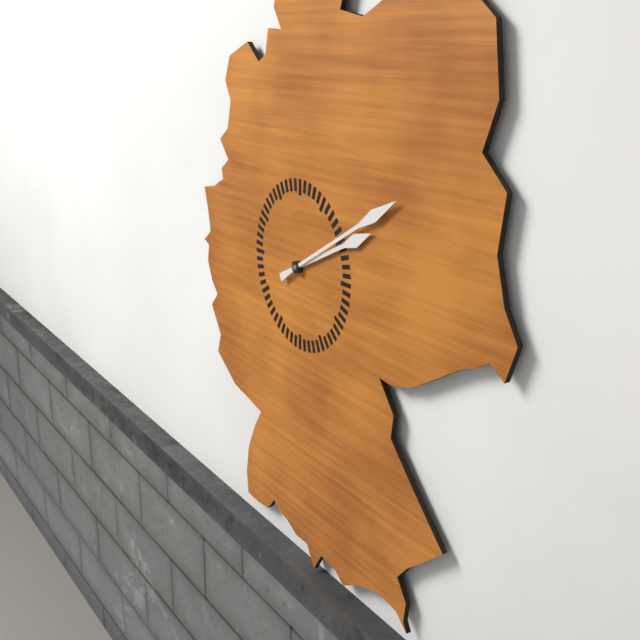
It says 2.10
